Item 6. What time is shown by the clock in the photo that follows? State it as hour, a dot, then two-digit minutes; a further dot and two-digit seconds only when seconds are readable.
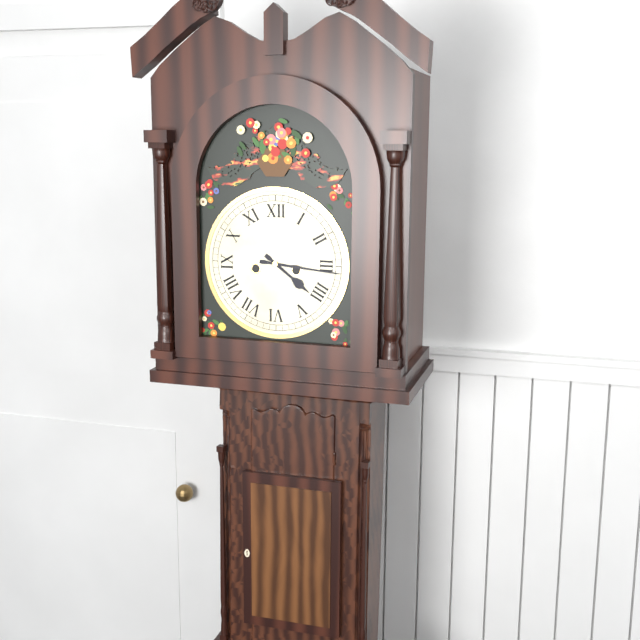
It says 4.16
